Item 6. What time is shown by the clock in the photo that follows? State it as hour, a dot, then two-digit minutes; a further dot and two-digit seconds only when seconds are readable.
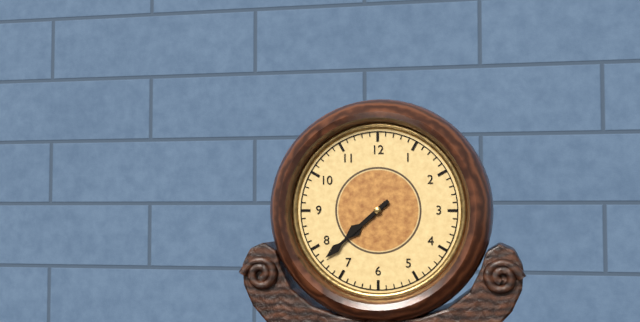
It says 7.38
